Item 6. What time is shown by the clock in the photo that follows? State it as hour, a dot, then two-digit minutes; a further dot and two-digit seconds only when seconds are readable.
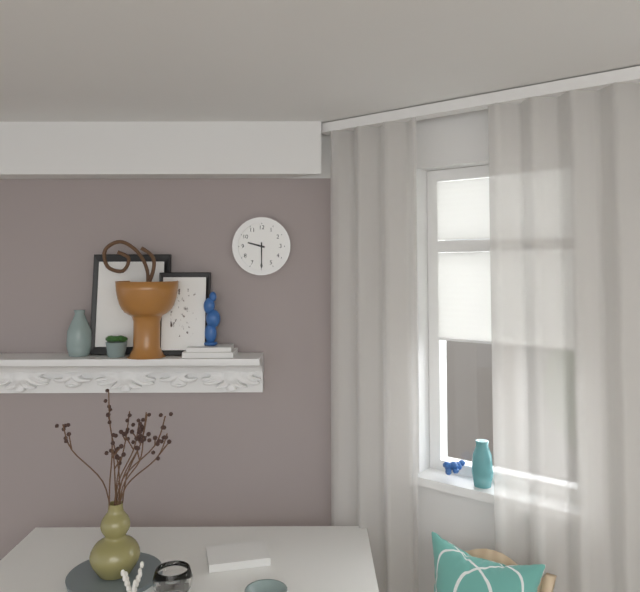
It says 9.30
